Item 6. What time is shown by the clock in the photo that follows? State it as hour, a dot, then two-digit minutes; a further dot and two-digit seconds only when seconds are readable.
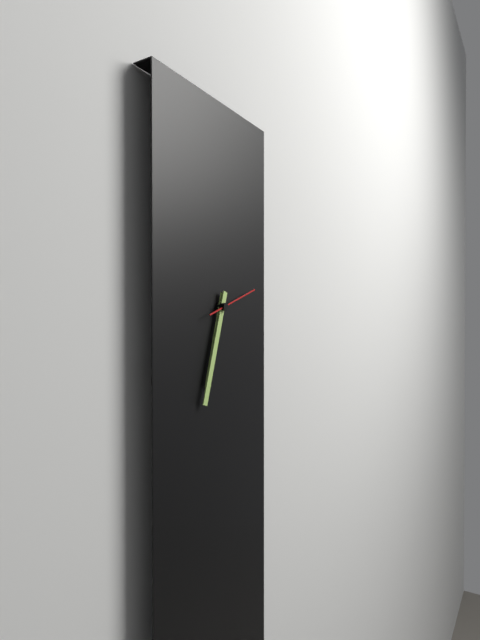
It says 6.33
